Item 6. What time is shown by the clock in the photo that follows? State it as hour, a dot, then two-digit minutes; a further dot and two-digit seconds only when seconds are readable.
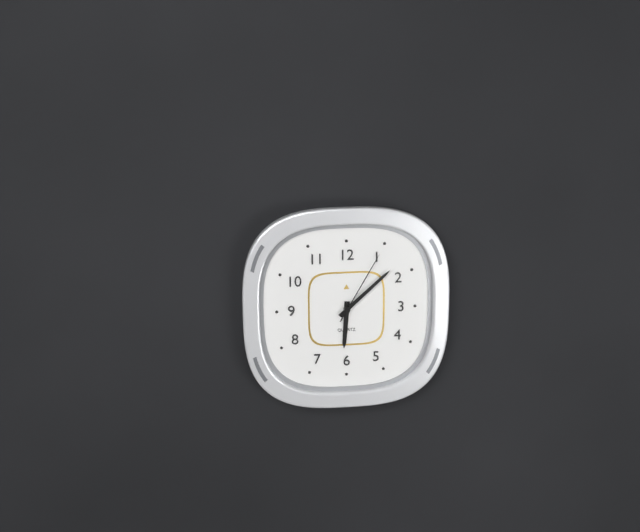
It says 6.08.05
